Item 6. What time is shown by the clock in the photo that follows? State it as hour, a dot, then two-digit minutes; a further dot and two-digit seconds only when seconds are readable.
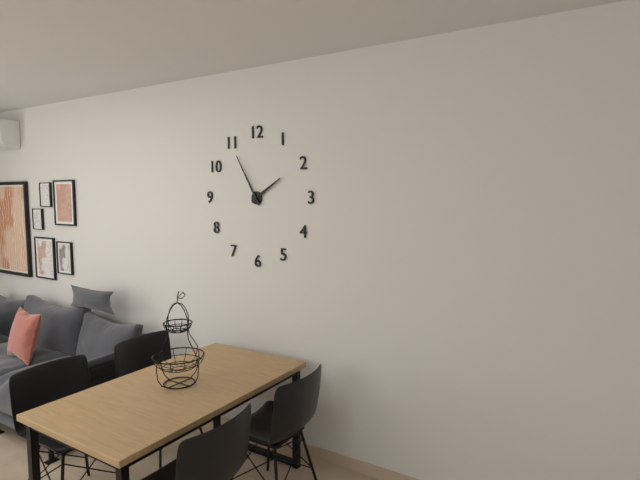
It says 1.55
